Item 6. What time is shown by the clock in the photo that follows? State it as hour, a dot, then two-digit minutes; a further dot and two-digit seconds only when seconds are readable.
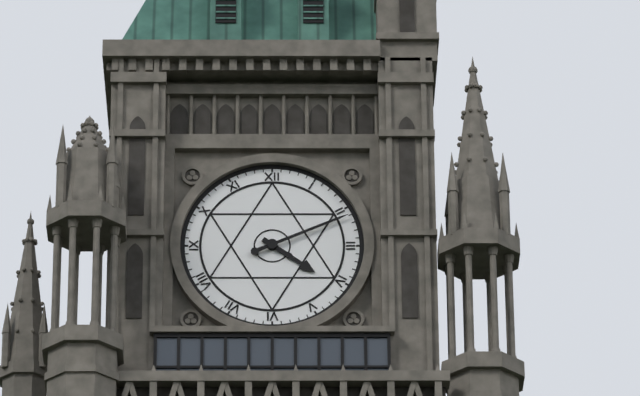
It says 4.11
